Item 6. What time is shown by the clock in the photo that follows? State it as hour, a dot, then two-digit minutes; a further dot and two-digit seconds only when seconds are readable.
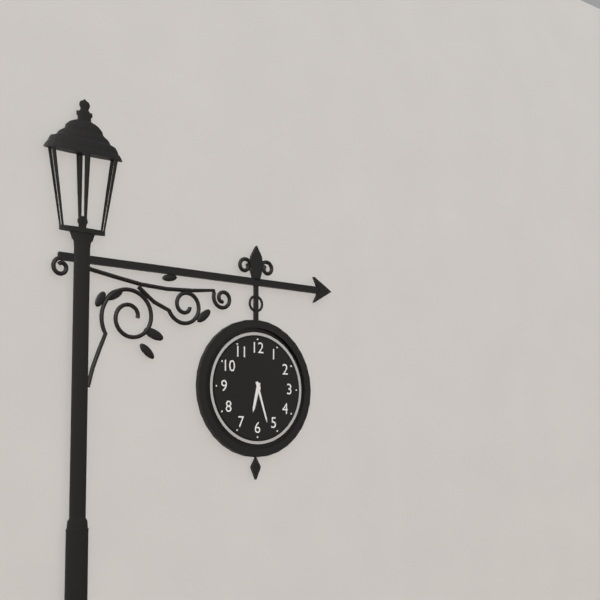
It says 6.27
